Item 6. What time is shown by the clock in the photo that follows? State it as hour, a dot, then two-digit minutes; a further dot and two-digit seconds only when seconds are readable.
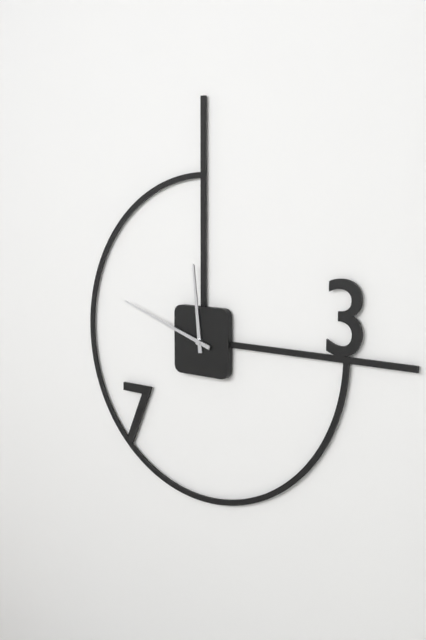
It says 11.48
